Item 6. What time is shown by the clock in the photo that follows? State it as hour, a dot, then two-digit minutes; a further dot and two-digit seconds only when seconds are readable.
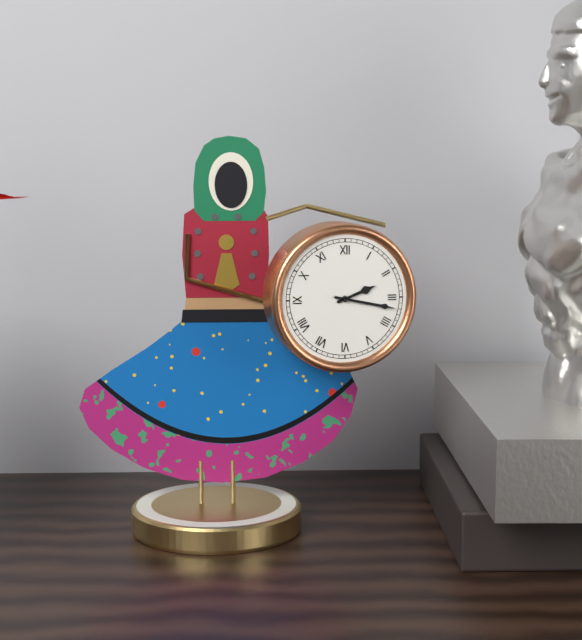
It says 2.17
